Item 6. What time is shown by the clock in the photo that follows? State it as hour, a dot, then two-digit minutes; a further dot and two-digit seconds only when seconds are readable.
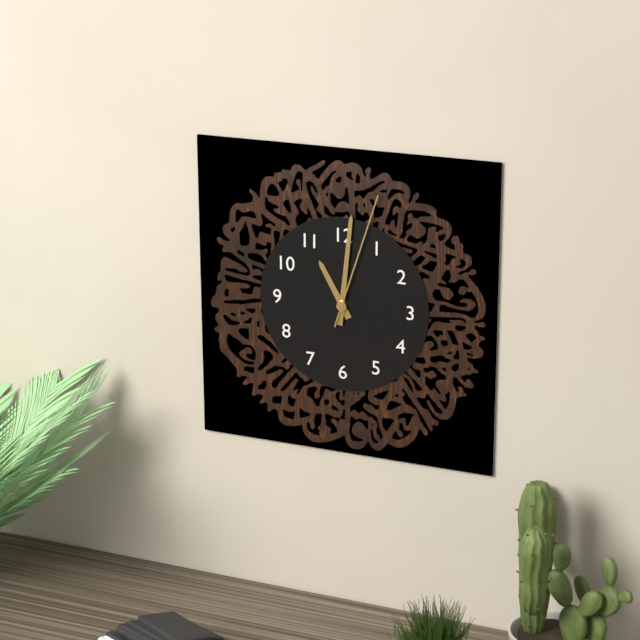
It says 11.01.03
